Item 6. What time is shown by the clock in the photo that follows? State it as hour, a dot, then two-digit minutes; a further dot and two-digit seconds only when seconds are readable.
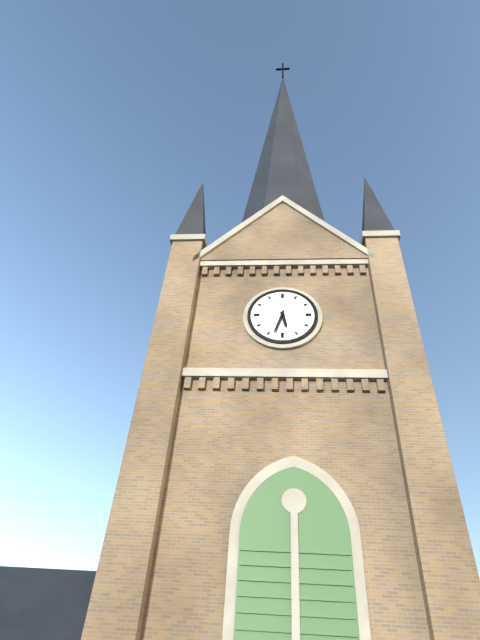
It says 5.33
